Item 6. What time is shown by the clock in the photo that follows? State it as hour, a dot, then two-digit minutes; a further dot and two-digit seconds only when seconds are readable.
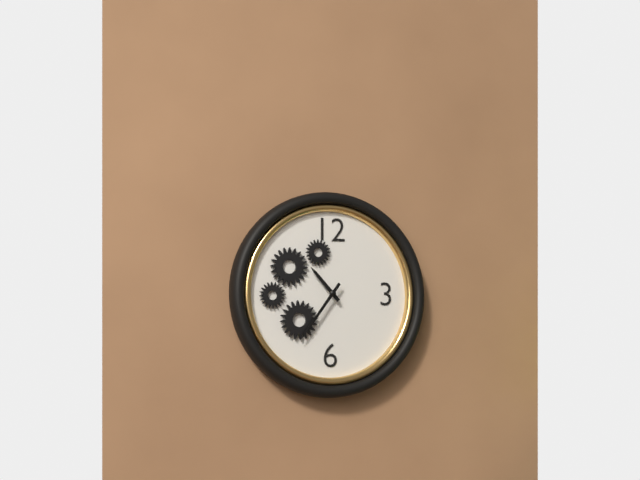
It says 10.36
